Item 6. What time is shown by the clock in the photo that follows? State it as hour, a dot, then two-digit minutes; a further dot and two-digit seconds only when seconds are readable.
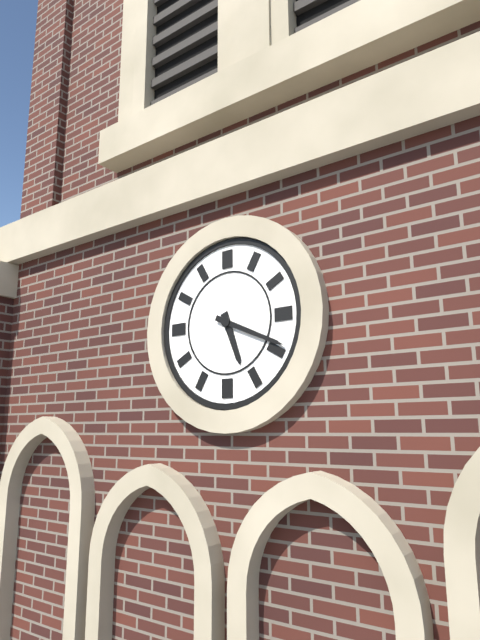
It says 5.19
